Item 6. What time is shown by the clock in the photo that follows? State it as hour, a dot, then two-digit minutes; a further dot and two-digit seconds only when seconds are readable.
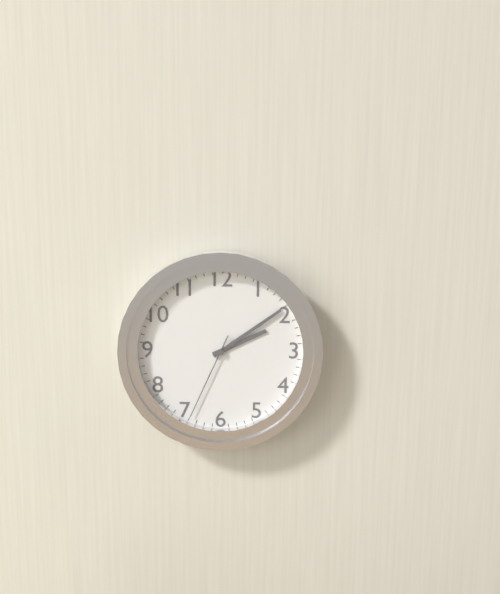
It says 2.09.34
